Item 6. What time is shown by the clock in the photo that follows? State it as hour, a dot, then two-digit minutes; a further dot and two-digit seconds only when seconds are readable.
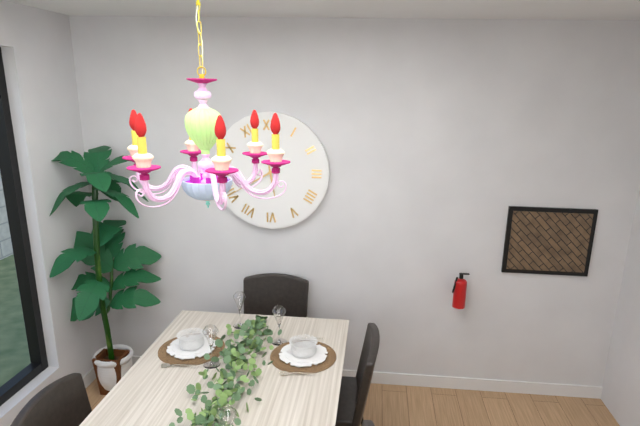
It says 5.40
